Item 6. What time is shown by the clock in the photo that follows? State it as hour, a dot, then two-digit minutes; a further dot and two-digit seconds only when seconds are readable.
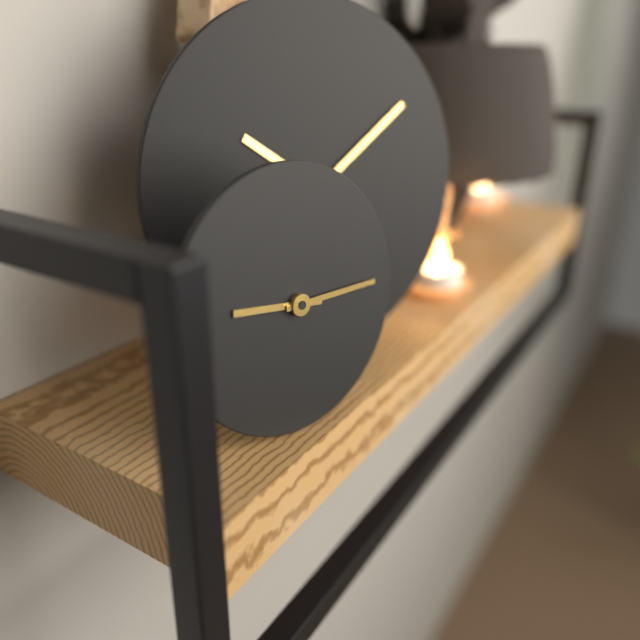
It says 9.15
